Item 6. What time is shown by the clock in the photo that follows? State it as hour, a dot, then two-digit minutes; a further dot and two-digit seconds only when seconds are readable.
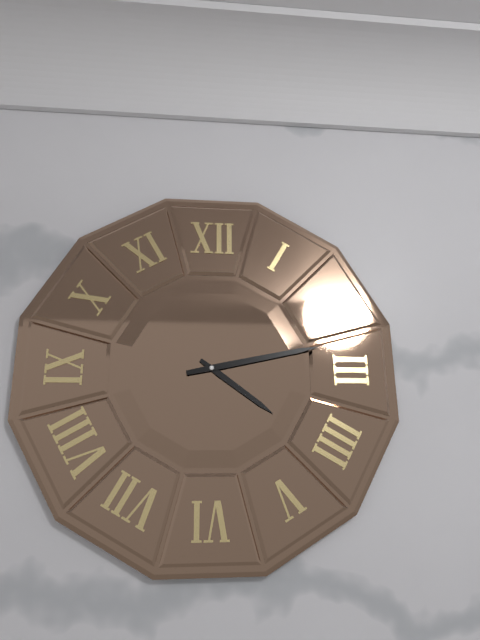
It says 4.13
